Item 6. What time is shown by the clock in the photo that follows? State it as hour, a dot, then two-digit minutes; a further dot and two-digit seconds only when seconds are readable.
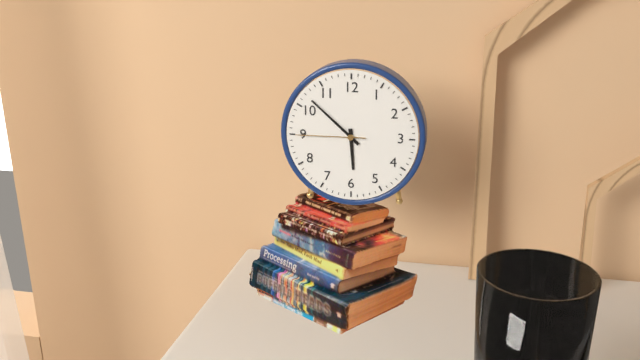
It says 5.52.45
